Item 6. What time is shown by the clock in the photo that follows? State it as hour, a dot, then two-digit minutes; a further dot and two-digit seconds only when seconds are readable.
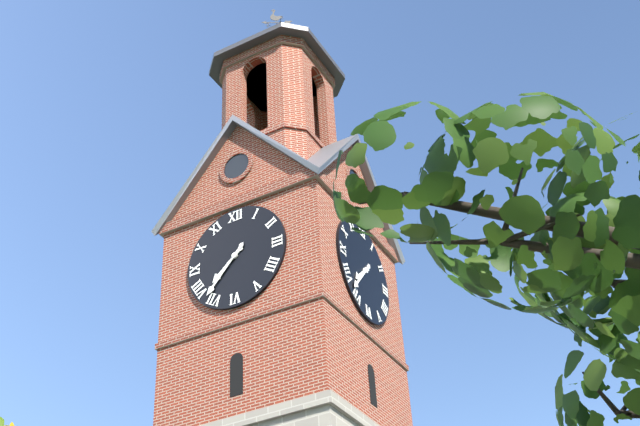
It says 7.37
